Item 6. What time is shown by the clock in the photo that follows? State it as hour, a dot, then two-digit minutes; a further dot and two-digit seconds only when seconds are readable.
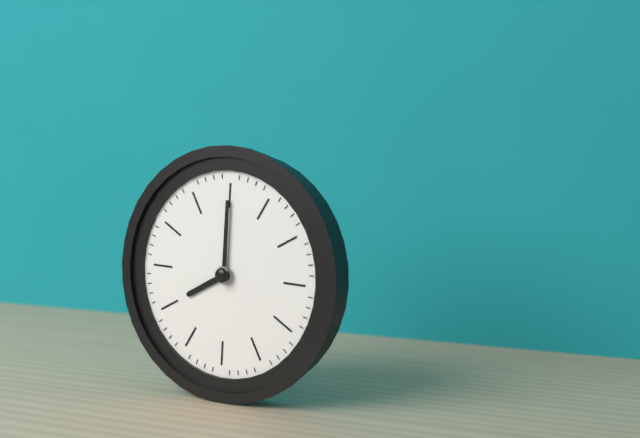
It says 8.00
